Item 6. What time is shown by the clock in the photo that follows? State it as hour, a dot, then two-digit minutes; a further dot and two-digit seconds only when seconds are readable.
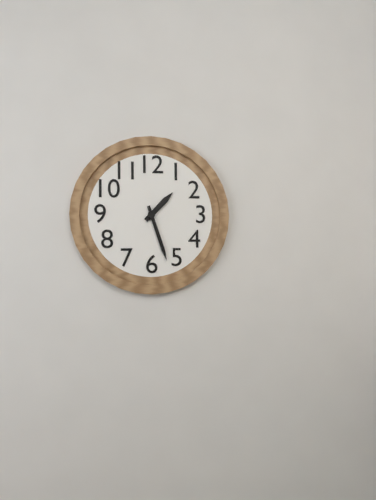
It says 1.27
